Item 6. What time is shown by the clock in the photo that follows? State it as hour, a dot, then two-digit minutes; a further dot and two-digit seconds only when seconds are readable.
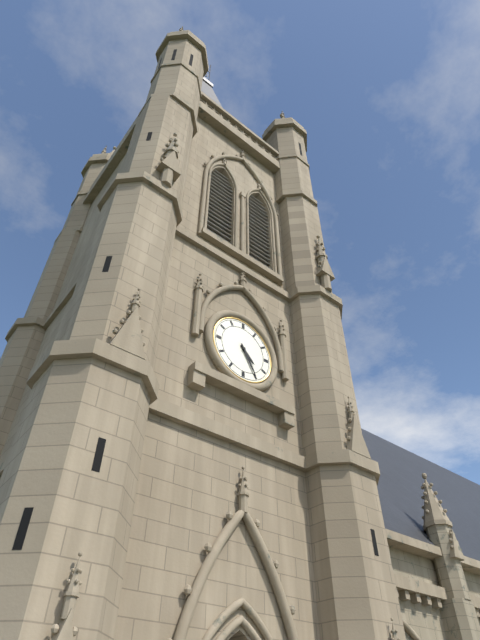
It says 4.25
